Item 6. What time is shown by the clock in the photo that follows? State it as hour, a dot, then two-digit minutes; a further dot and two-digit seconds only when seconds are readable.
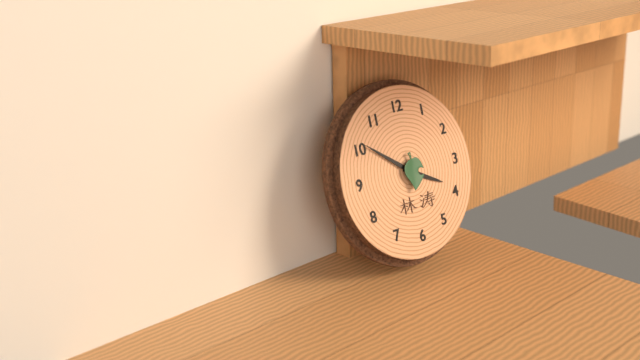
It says 3.51
